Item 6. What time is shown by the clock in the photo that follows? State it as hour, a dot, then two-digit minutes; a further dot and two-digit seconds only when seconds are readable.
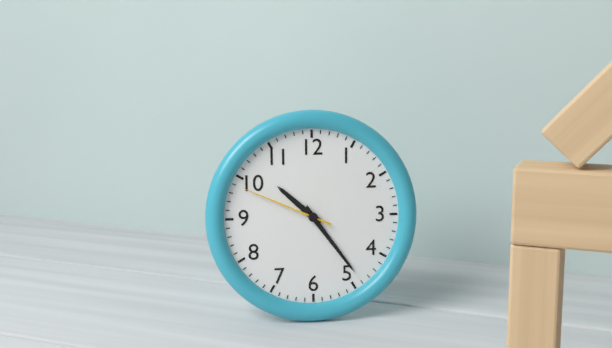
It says 10.24.49
